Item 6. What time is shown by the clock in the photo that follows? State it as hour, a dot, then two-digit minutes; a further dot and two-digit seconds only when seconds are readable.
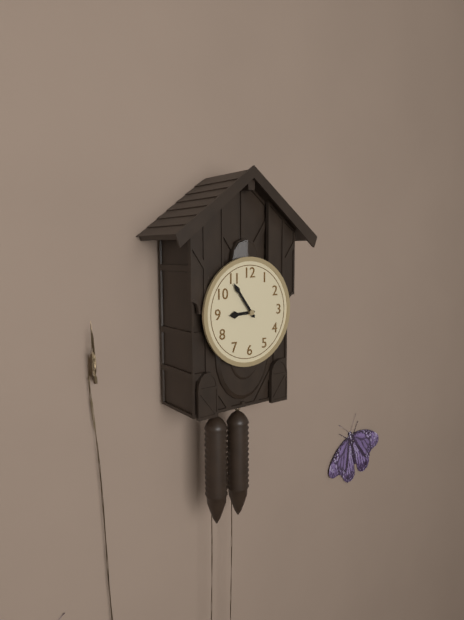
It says 8.54
